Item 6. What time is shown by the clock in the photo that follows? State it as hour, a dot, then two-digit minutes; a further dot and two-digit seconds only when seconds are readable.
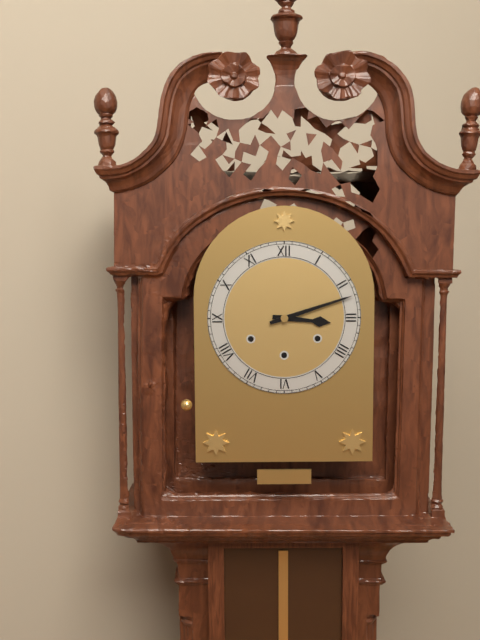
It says 3.12
